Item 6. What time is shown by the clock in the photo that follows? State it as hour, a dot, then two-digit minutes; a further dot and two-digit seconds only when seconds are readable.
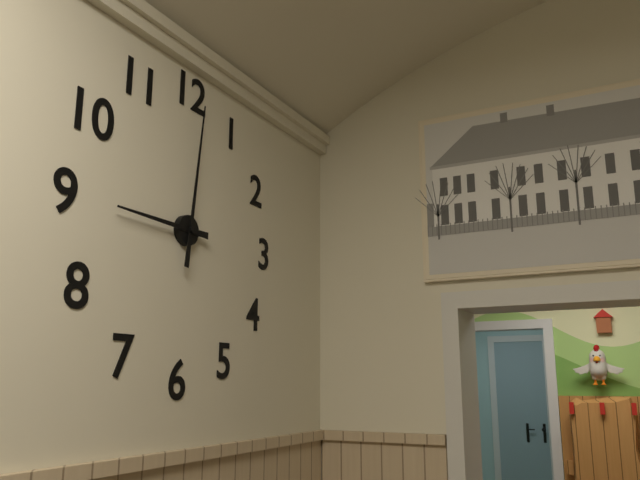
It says 9.01
